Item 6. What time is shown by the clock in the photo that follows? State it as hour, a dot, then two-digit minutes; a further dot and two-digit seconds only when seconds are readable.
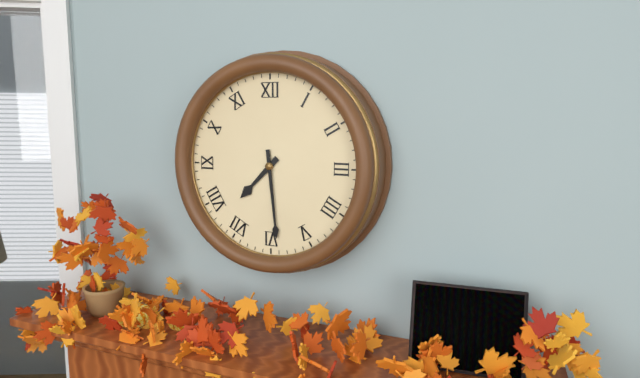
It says 7.29
